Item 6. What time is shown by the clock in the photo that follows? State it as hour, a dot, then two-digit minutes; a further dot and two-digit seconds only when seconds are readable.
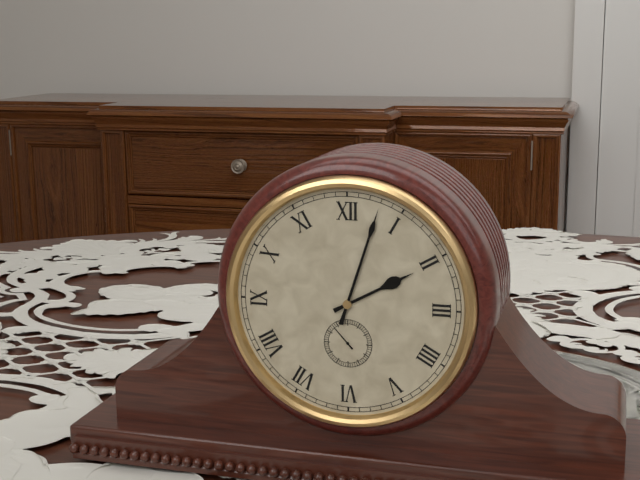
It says 2.03
